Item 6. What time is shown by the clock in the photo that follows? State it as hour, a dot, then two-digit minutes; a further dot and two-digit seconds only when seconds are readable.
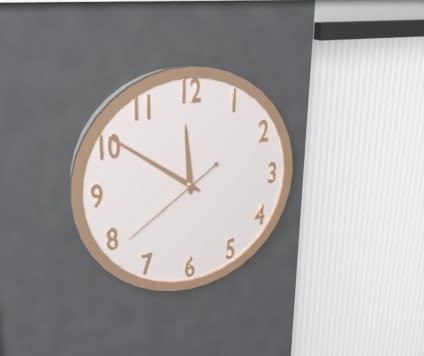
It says 11.51.39
